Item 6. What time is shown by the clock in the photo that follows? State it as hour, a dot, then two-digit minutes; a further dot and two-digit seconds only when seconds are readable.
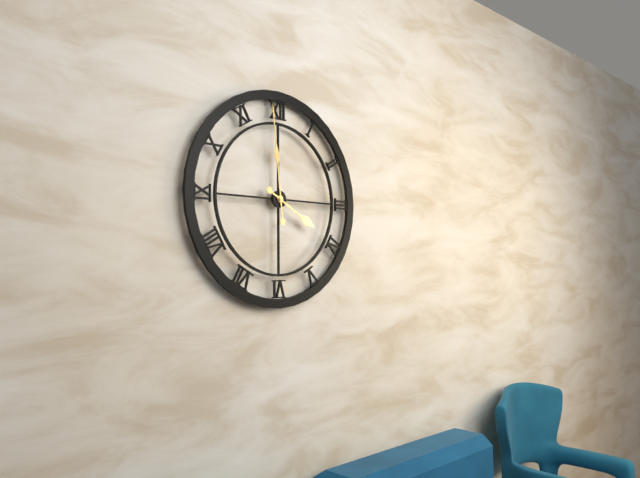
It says 3.59
